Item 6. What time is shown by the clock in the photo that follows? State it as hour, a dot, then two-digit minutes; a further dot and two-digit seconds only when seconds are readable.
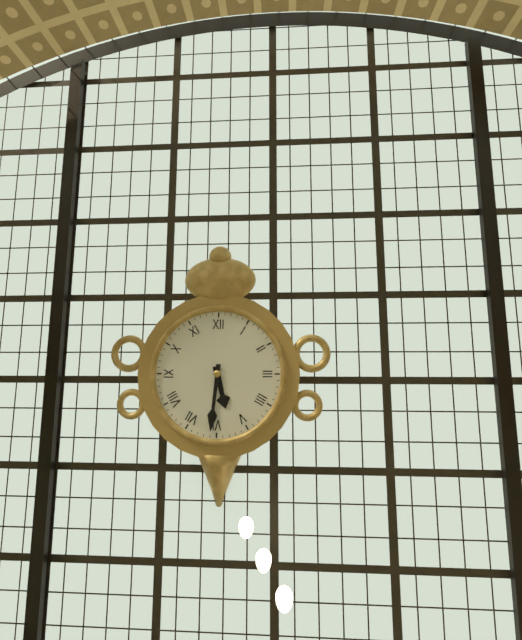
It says 5.31
